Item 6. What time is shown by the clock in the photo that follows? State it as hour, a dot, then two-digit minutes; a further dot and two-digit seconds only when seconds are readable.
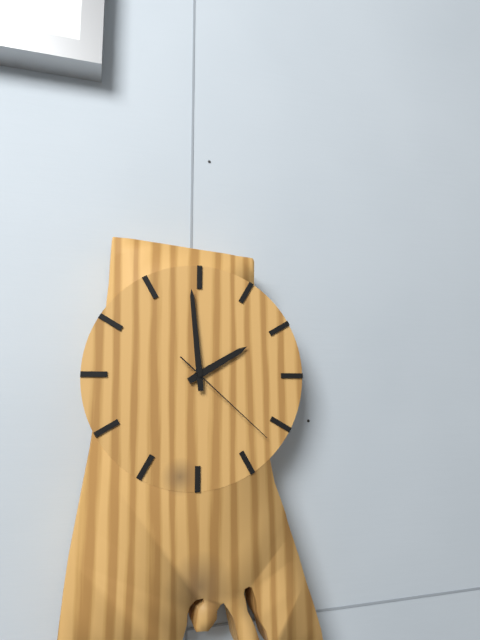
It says 1.59.22
